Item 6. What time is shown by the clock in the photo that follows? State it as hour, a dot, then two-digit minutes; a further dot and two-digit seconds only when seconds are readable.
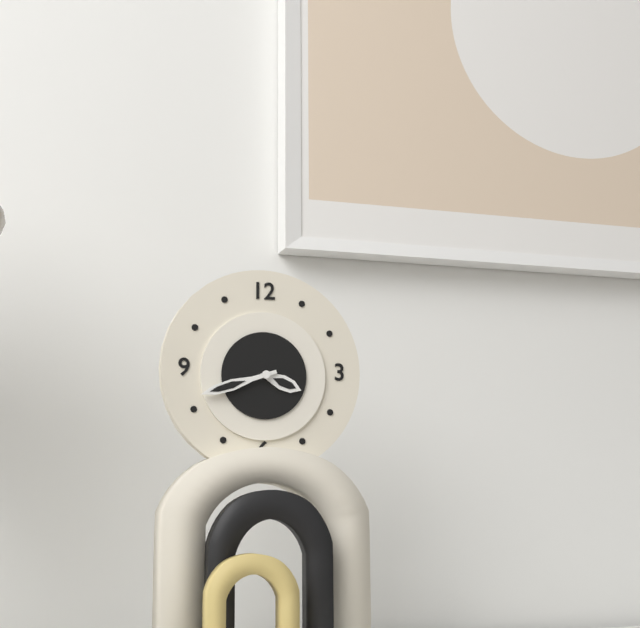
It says 3.42
